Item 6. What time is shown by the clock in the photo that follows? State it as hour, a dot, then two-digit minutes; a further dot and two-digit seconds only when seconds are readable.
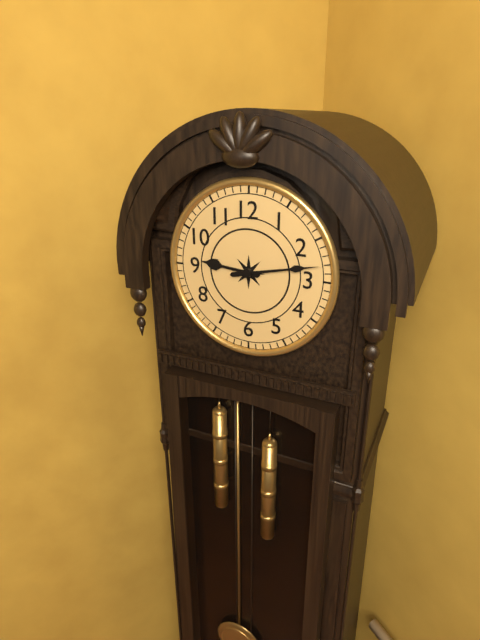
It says 9.13
